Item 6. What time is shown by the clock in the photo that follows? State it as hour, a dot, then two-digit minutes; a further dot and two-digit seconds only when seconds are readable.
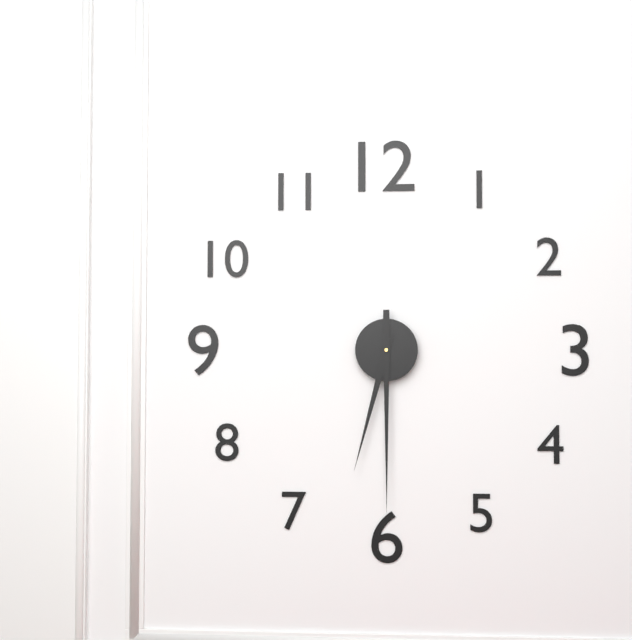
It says 6.30
